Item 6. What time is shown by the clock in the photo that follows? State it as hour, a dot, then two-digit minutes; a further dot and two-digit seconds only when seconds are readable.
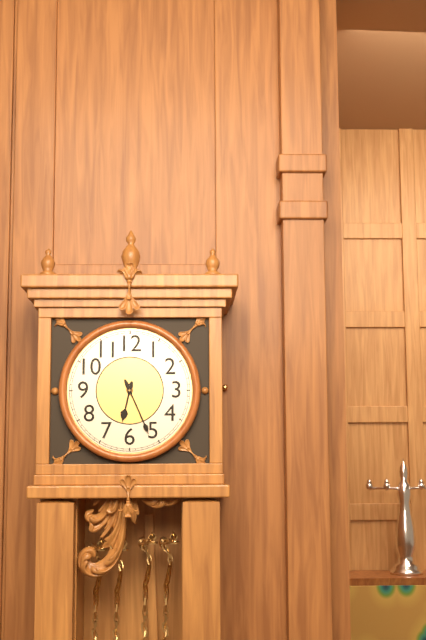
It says 6.26
